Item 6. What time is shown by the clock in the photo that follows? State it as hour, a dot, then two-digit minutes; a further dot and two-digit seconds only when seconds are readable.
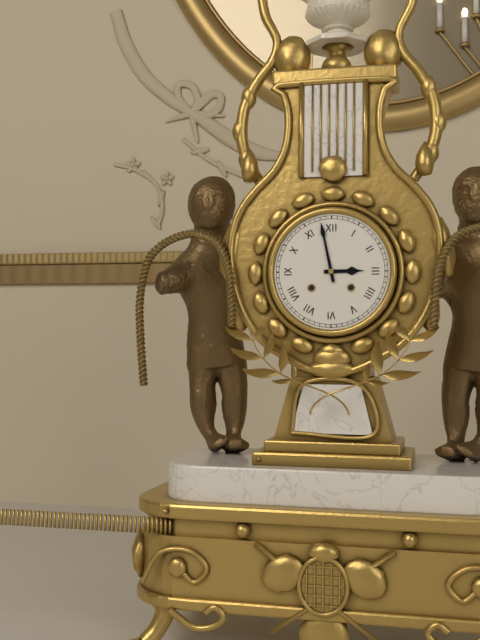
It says 2.58
